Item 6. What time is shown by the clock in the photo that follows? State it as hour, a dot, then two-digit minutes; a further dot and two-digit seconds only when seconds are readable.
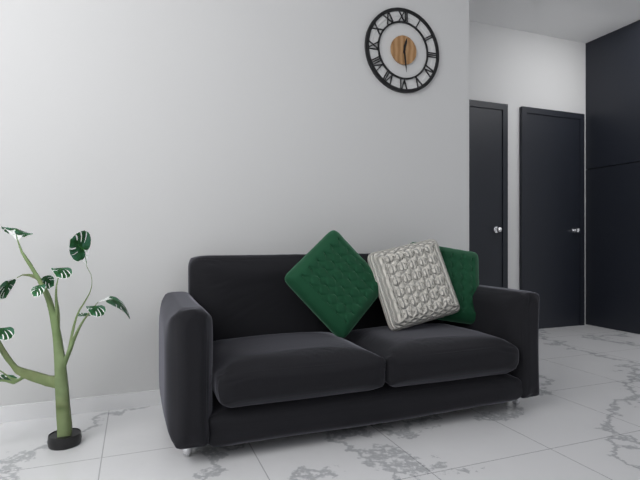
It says 12.29
